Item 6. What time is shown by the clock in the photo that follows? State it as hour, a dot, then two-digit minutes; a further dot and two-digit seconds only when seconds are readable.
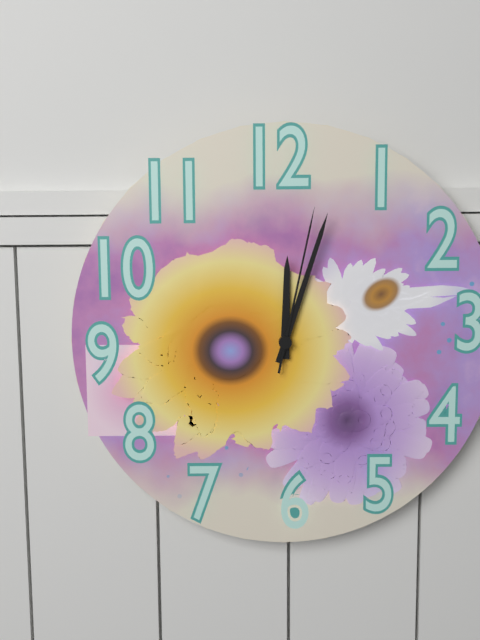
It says 12.03.02
